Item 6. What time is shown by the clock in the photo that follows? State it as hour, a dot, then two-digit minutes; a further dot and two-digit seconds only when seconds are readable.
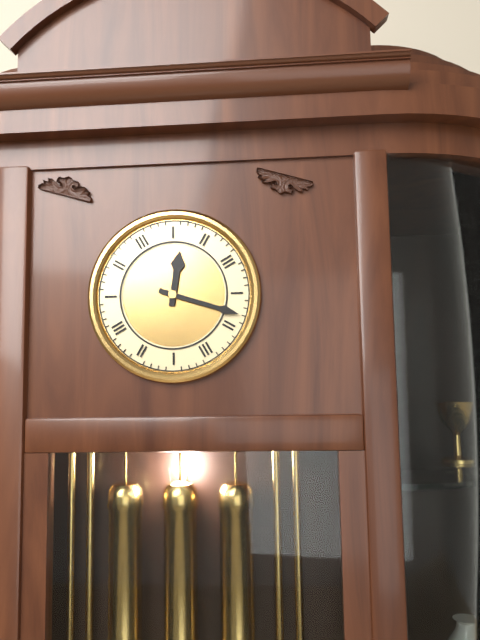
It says 12.18
